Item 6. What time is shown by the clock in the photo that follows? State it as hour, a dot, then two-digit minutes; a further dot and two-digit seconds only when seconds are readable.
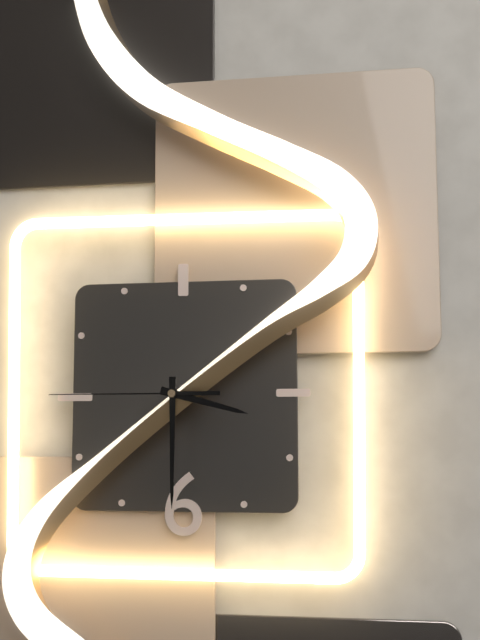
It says 3.30.45
